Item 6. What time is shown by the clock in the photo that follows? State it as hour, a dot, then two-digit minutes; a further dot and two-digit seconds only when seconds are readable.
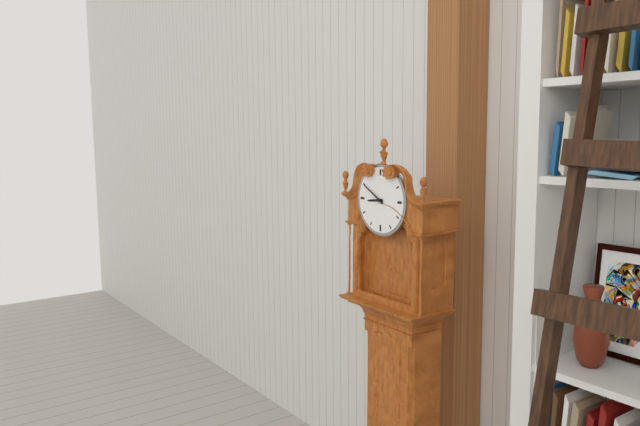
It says 8.50
